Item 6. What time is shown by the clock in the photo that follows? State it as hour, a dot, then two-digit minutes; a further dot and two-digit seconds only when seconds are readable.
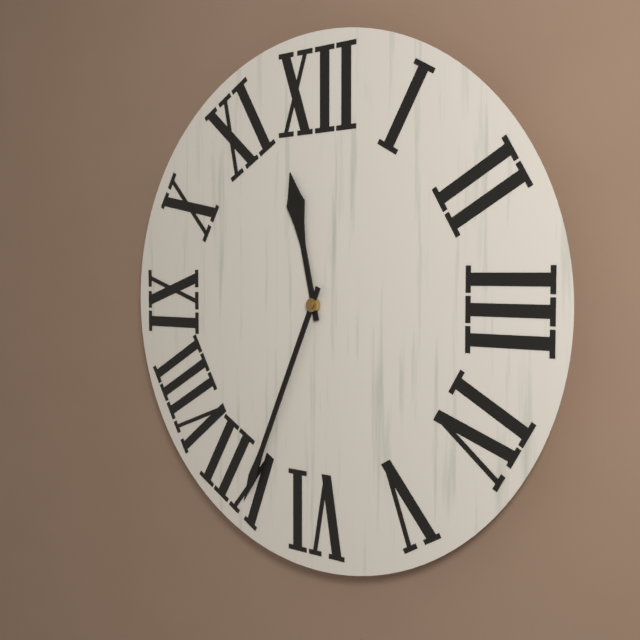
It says 11.34
